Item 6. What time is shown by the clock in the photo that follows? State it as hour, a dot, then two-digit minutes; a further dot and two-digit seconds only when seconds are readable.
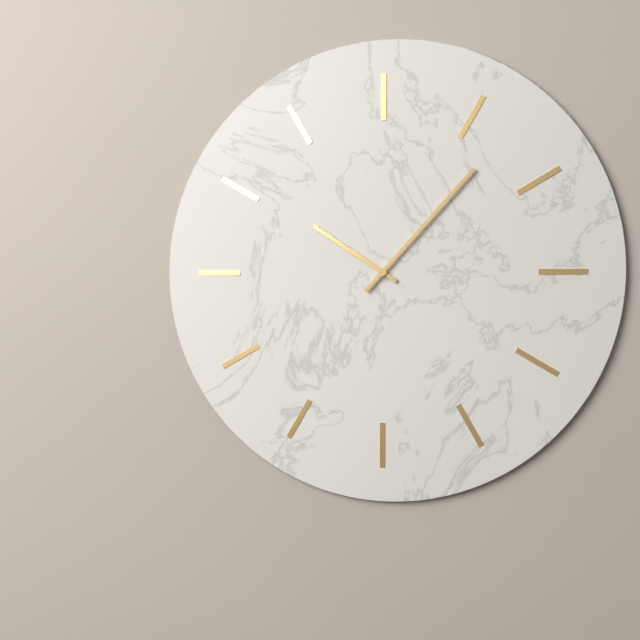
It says 10.07
